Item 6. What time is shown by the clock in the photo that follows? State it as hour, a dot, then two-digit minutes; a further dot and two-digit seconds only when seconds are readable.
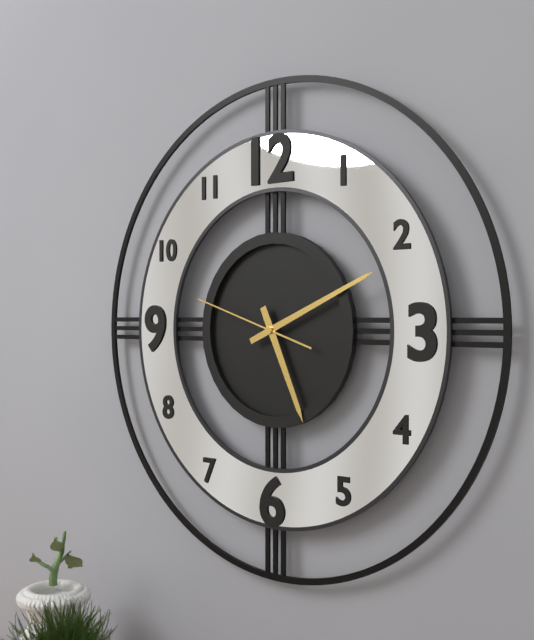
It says 5.11.48
